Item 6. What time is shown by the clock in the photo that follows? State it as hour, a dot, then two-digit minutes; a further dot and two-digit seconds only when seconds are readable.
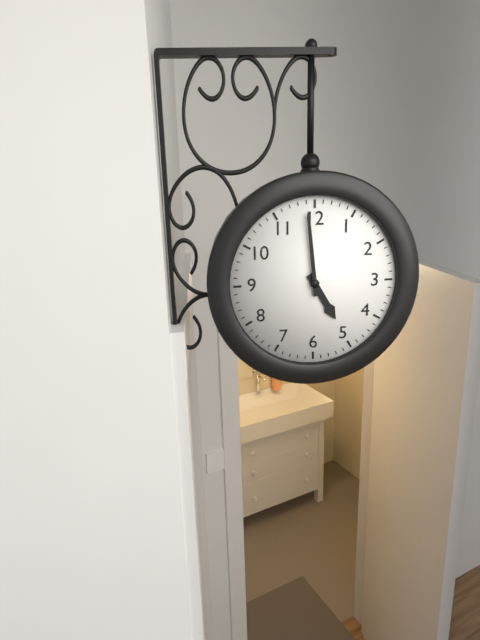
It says 4.59
